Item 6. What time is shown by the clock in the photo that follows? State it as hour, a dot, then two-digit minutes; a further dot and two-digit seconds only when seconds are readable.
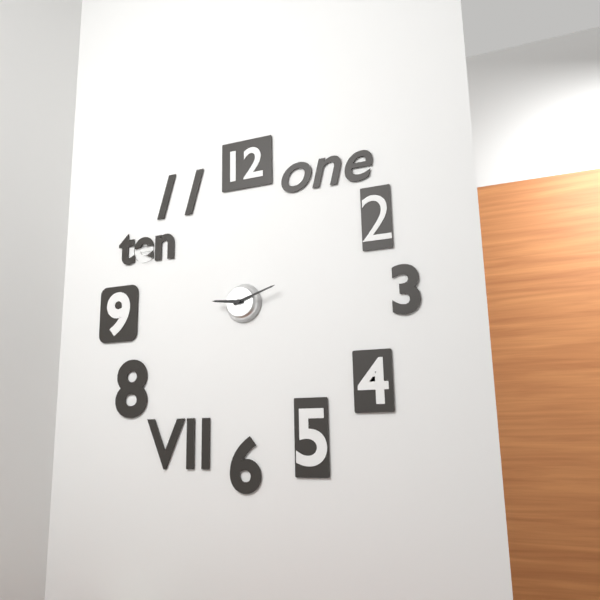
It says 9.12
